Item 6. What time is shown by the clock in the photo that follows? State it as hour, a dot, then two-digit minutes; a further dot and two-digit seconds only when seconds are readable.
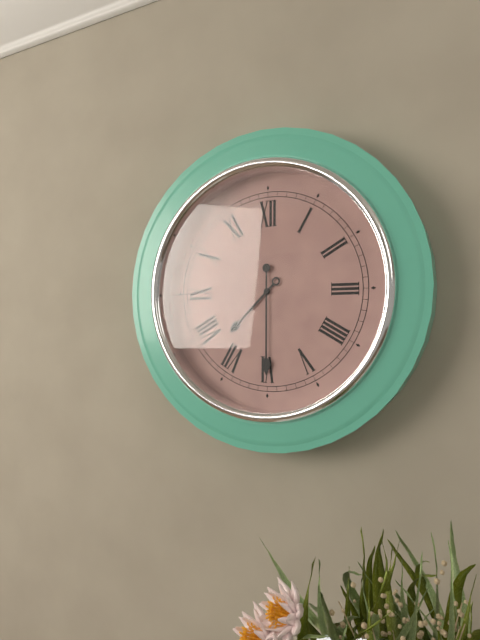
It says 7.30
